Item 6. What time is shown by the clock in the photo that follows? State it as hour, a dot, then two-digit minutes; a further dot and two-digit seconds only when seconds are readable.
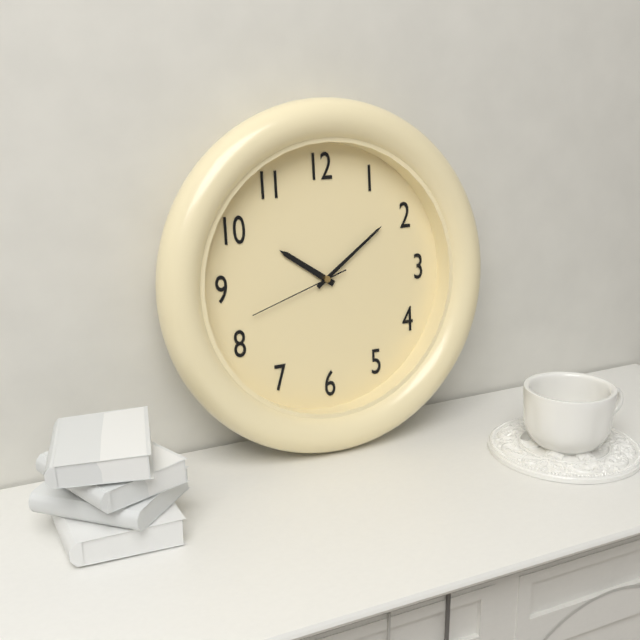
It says 10.09.42
